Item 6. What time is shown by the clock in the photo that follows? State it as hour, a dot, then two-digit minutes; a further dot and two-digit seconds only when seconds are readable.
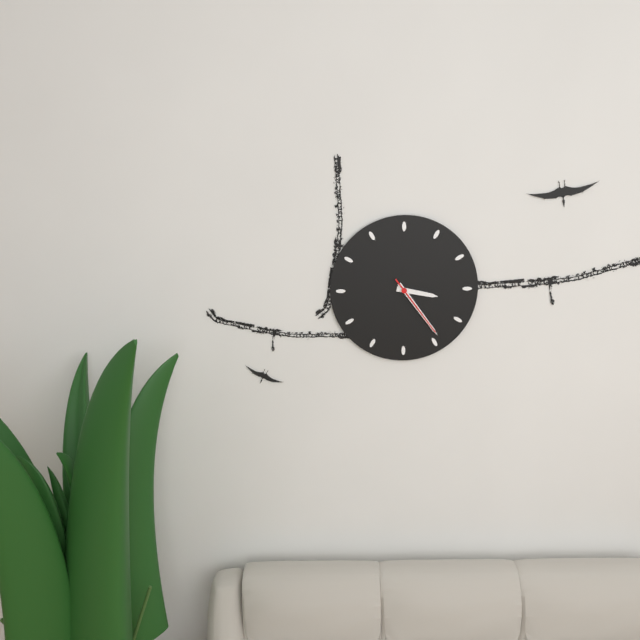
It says 3.24.24
